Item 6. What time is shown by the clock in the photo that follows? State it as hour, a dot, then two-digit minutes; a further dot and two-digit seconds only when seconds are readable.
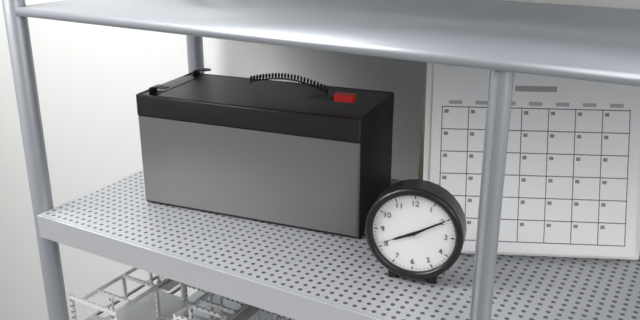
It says 8.10
